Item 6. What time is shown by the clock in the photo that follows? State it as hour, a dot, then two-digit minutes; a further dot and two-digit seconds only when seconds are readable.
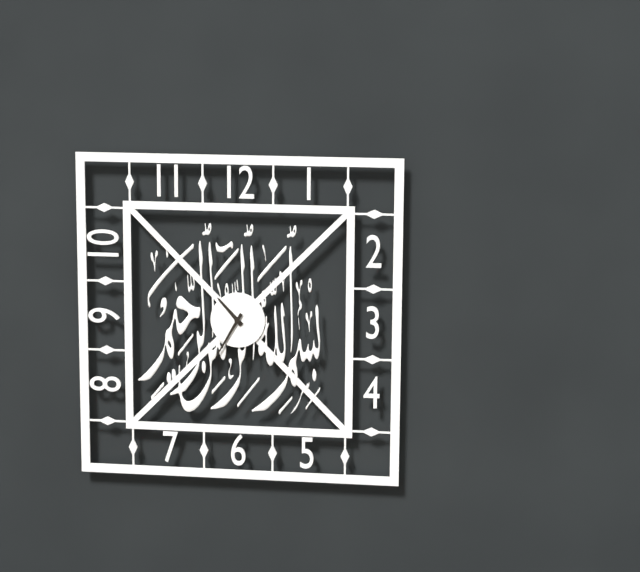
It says 10.35
